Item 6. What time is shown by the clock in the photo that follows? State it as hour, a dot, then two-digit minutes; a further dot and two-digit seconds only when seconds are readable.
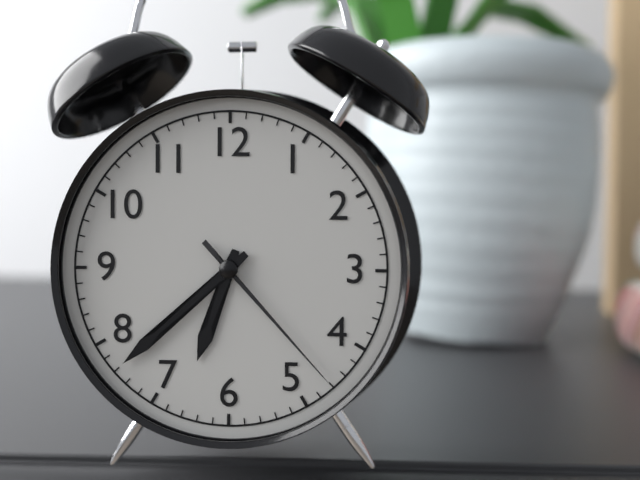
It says 6.38.23
